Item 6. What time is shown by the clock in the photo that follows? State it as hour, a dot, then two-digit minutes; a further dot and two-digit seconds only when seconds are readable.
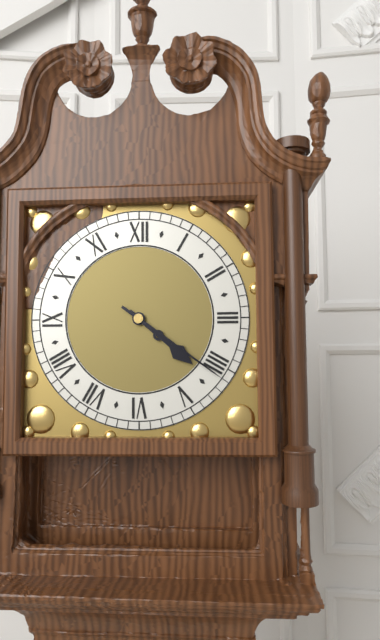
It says 4.21
